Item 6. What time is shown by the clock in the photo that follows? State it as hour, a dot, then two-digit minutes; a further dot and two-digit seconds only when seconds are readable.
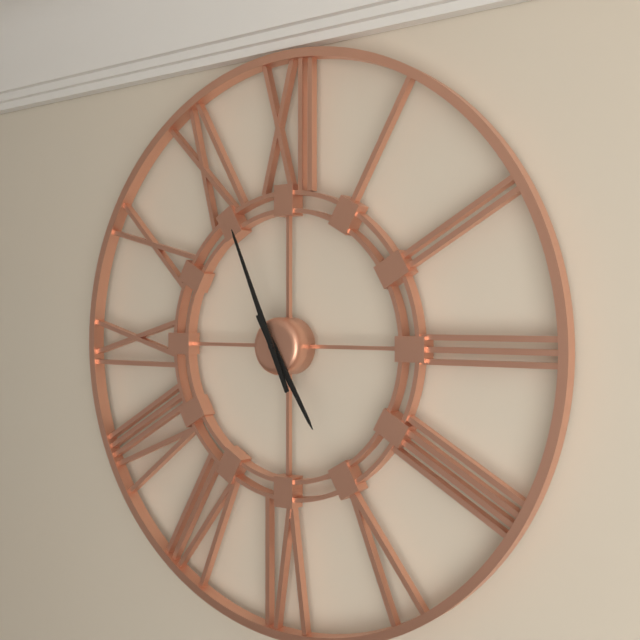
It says 4.56
